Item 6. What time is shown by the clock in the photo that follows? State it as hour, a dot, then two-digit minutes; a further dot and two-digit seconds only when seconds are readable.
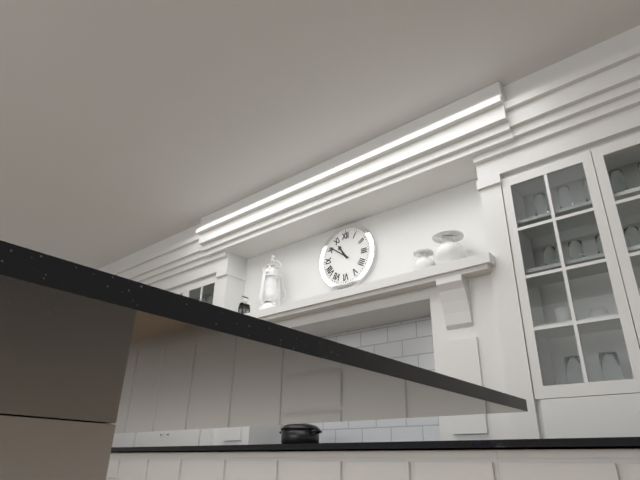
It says 10.51
